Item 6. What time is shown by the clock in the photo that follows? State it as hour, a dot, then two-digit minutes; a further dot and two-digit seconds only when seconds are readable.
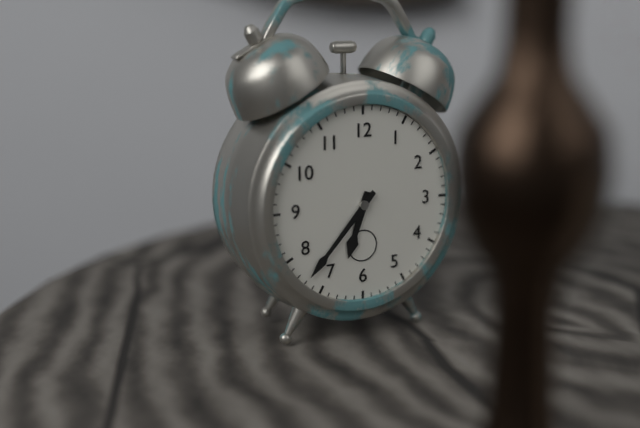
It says 6.37
